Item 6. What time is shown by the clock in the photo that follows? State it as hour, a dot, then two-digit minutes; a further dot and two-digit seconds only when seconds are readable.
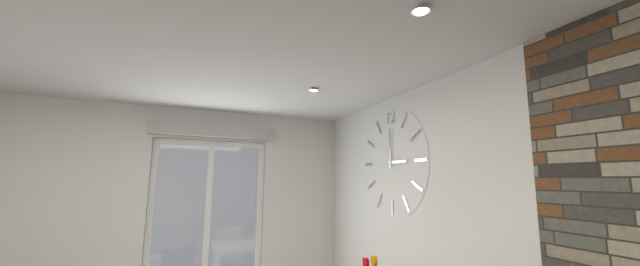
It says 3.00
